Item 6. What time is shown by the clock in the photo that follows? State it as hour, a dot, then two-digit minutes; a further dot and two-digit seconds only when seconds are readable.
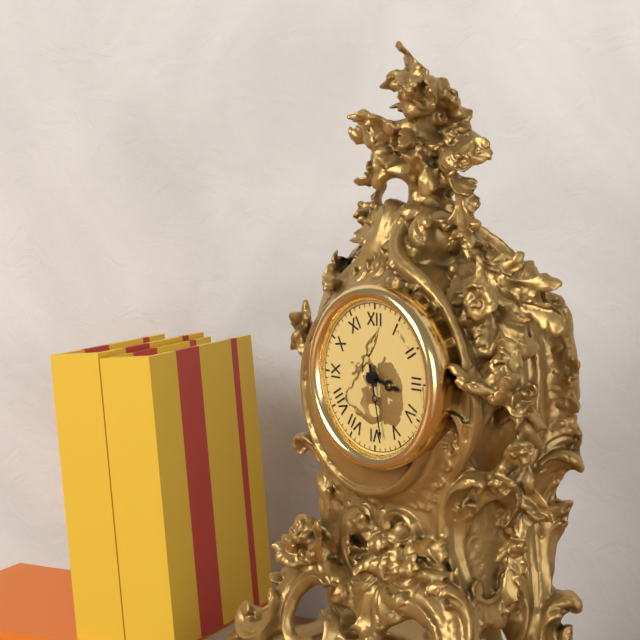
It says 3.28
